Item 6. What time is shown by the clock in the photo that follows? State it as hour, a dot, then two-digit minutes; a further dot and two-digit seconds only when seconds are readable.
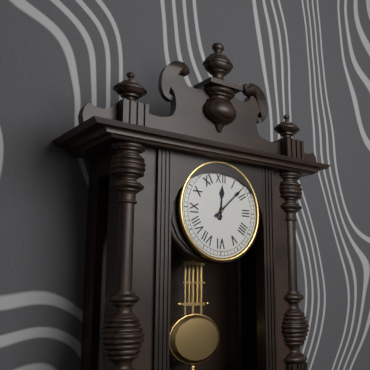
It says 12.08
